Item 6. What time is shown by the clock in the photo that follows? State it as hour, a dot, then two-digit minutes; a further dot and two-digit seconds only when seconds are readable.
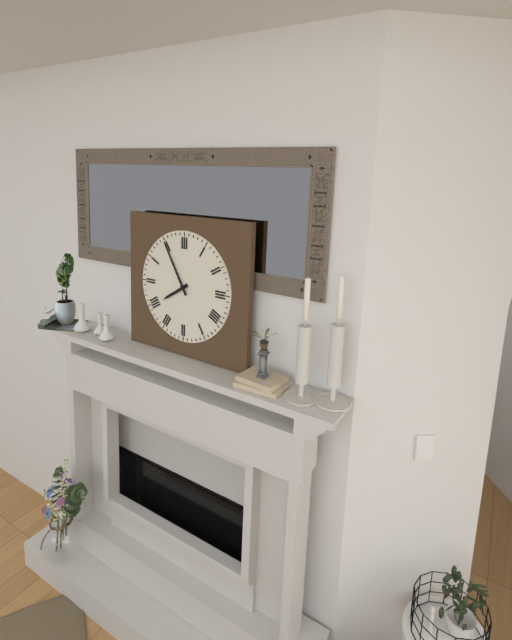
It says 7.55
